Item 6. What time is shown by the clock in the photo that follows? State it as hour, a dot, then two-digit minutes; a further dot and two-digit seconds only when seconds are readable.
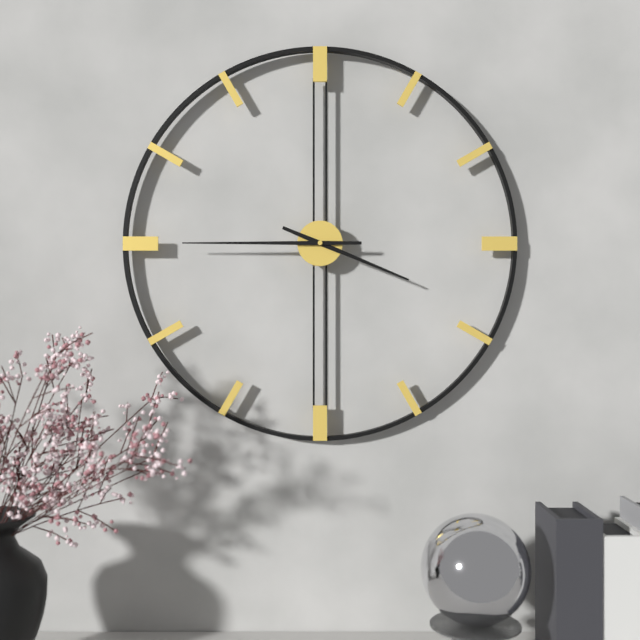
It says 3.45
